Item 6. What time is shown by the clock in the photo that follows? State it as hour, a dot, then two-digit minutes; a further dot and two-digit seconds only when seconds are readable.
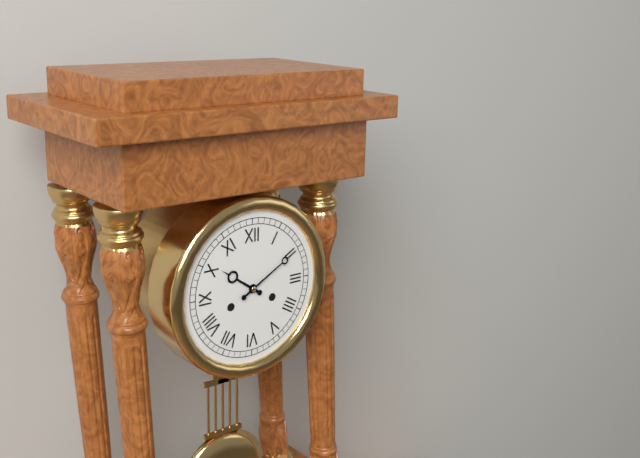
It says 10.10
